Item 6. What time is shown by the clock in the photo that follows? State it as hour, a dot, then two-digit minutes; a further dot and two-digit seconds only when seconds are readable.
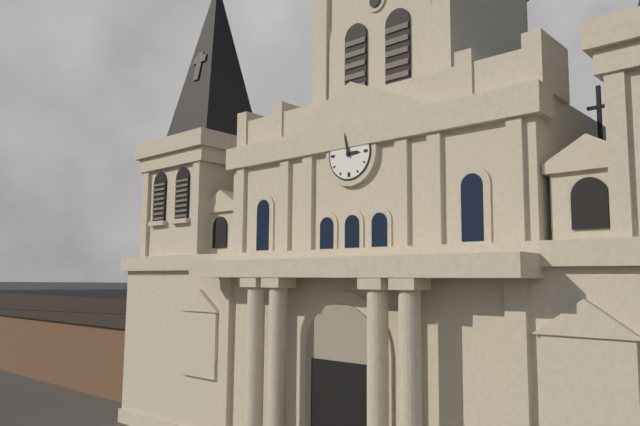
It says 2.58
